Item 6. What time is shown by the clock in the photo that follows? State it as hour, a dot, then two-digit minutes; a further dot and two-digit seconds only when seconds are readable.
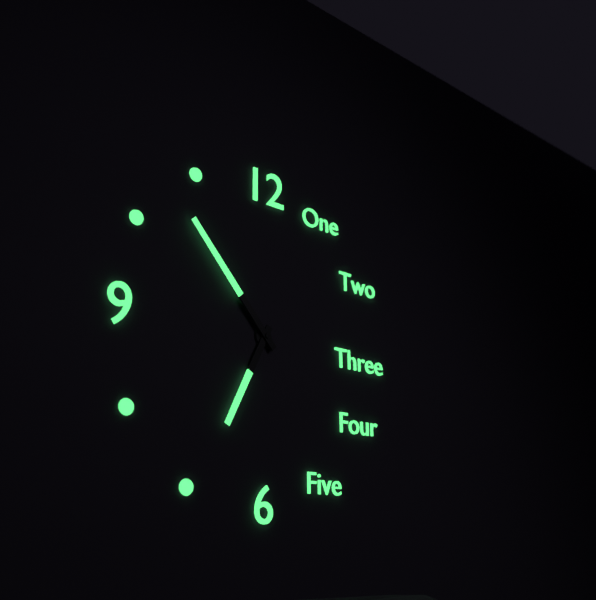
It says 6.53
